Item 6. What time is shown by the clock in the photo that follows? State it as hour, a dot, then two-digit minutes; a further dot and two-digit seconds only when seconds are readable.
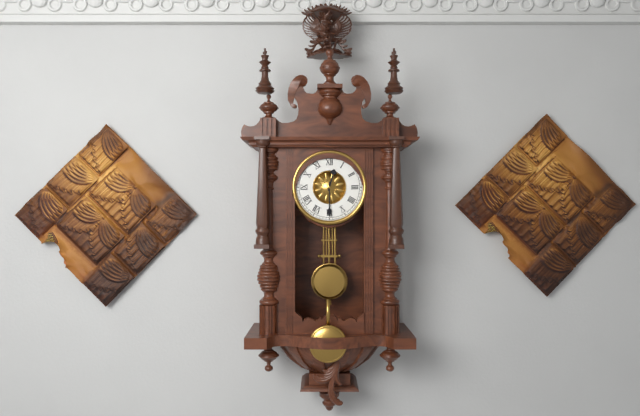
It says 12.30
